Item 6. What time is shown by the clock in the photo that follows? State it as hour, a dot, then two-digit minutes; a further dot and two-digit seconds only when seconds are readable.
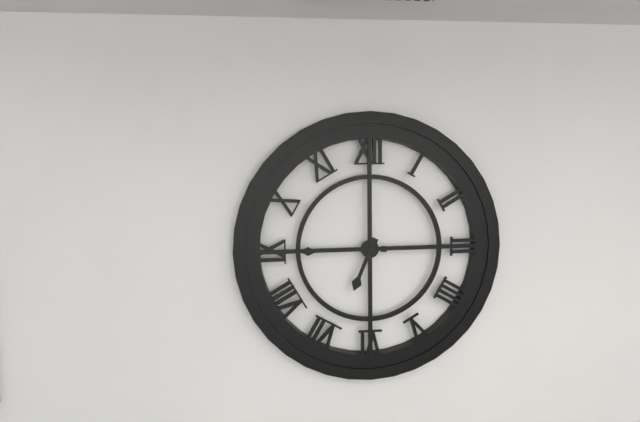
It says 6.45
